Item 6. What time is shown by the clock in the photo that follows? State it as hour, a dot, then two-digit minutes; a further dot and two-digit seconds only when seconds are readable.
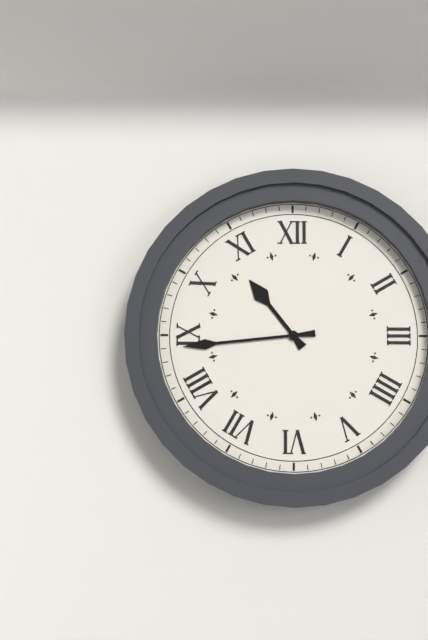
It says 10.44
